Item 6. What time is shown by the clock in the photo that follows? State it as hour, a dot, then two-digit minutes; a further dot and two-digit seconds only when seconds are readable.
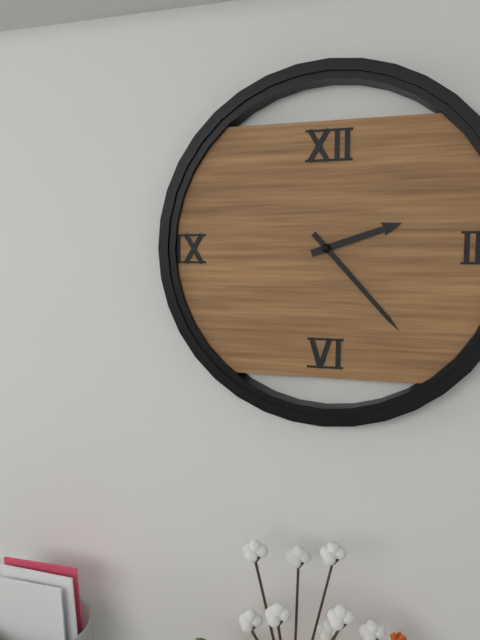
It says 2.23
